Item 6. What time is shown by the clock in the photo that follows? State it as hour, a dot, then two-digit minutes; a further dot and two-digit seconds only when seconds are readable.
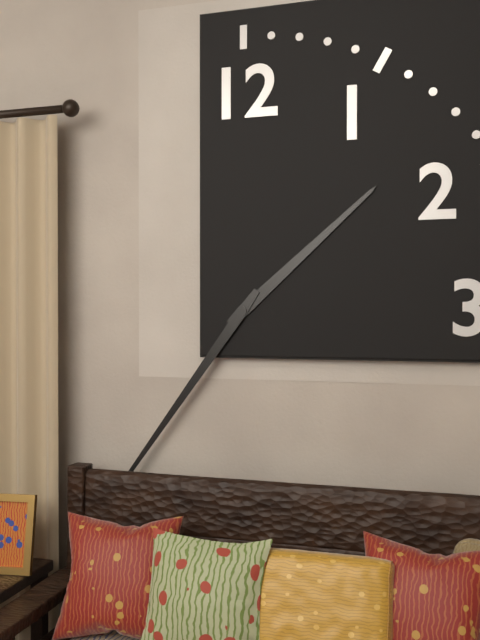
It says 1.36
